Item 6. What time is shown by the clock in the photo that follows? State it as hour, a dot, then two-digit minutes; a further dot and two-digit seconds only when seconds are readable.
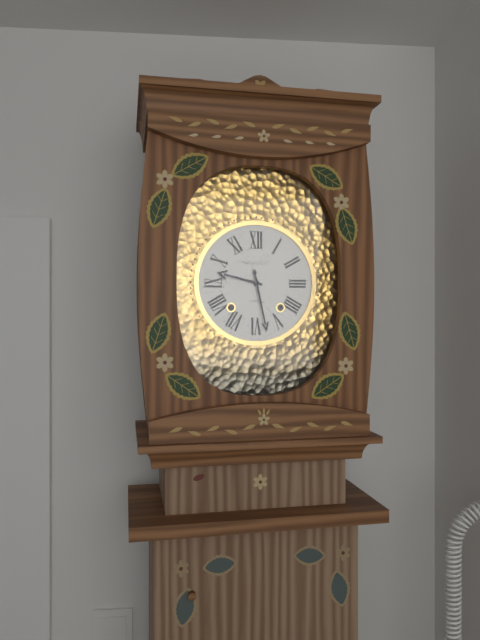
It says 9.28
